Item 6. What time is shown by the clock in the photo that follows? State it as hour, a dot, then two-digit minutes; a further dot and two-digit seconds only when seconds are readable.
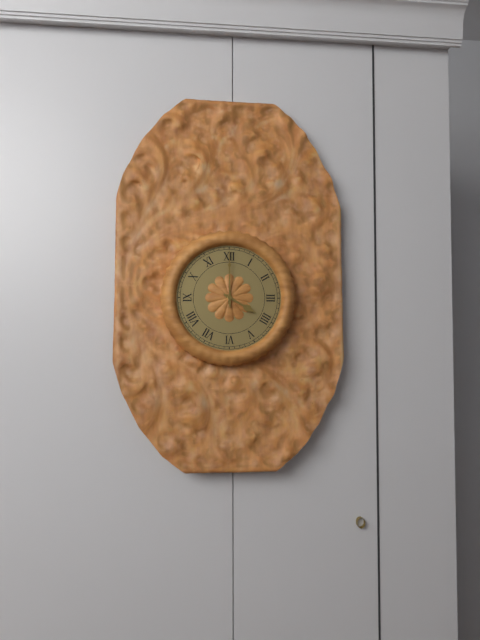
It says 4.00
